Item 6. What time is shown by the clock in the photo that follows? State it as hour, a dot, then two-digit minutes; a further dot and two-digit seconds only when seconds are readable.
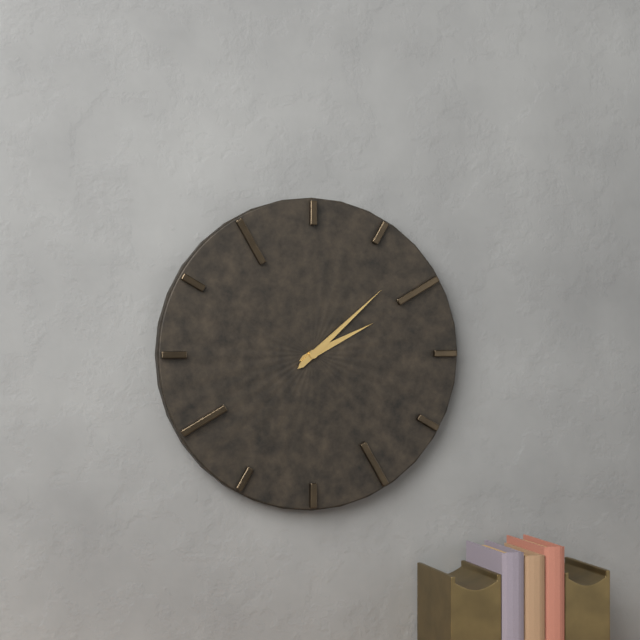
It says 2.08
